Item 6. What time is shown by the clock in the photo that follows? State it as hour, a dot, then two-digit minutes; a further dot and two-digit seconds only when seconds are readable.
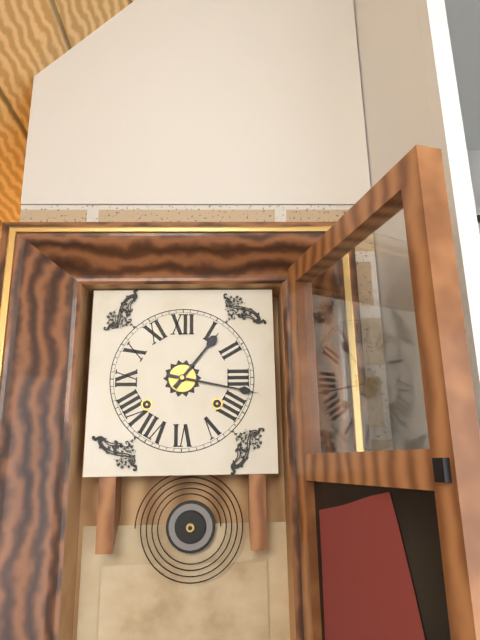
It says 1.17
